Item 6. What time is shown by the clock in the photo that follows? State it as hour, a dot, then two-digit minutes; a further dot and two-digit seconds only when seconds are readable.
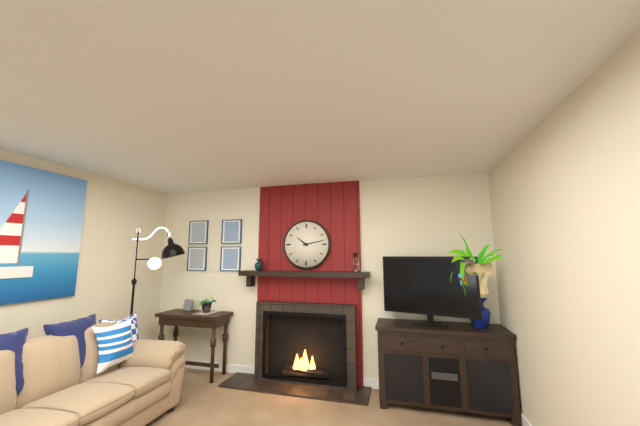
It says 10.13
